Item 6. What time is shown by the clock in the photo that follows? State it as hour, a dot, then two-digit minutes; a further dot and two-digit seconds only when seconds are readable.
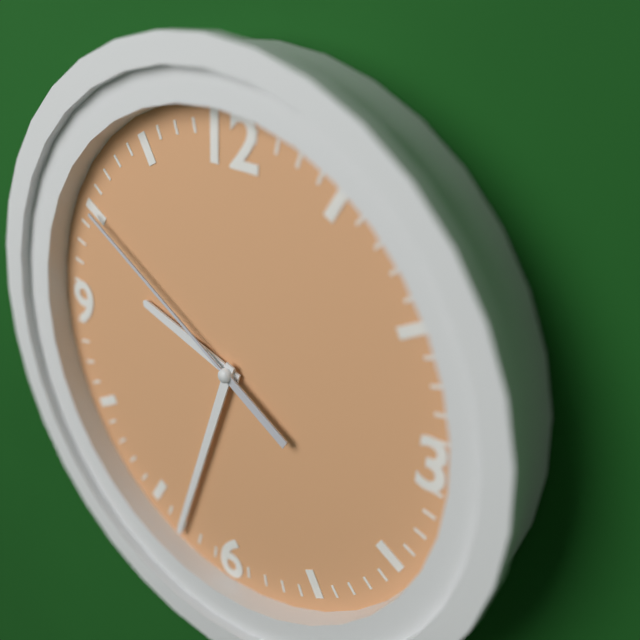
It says 9.33.50
